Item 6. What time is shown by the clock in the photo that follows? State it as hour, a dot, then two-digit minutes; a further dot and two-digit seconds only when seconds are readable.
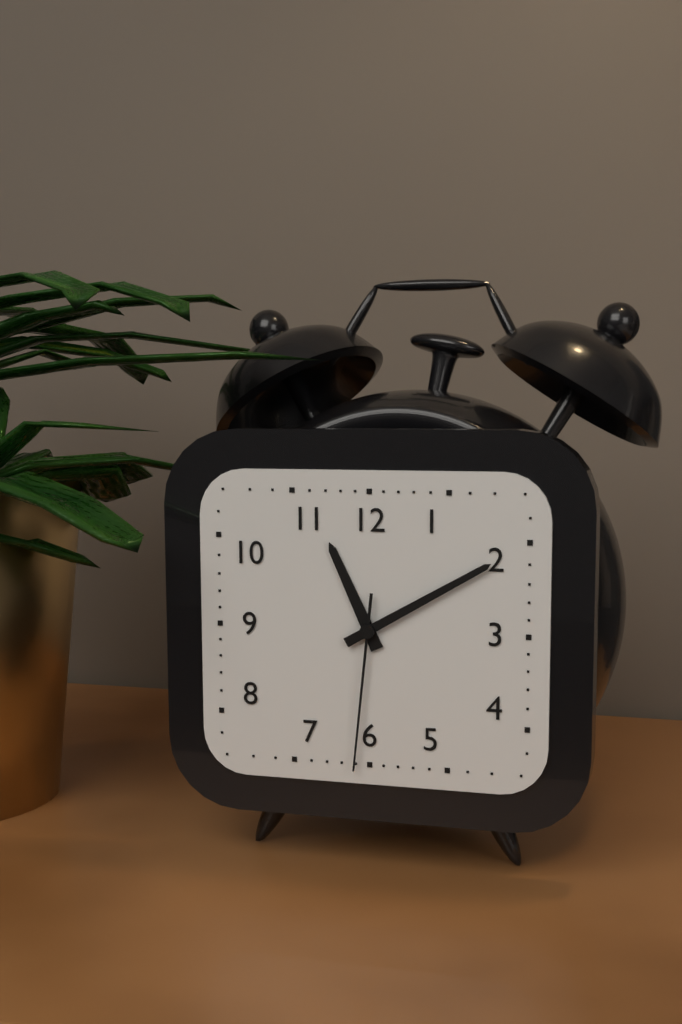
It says 11.10.31
